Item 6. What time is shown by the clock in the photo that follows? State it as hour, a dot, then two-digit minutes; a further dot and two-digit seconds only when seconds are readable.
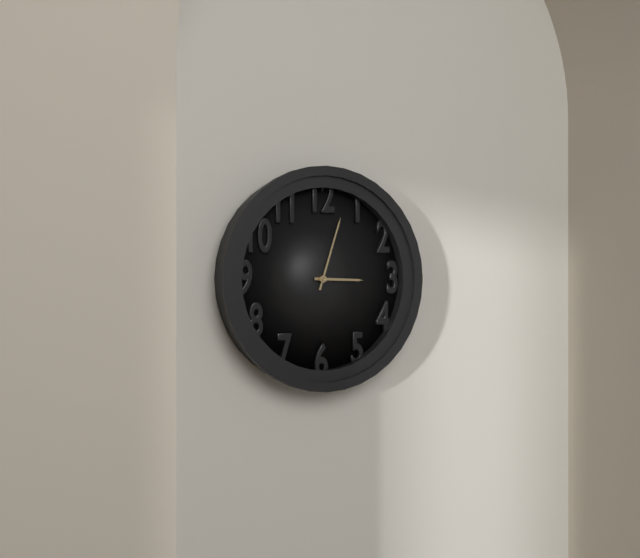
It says 3.03
